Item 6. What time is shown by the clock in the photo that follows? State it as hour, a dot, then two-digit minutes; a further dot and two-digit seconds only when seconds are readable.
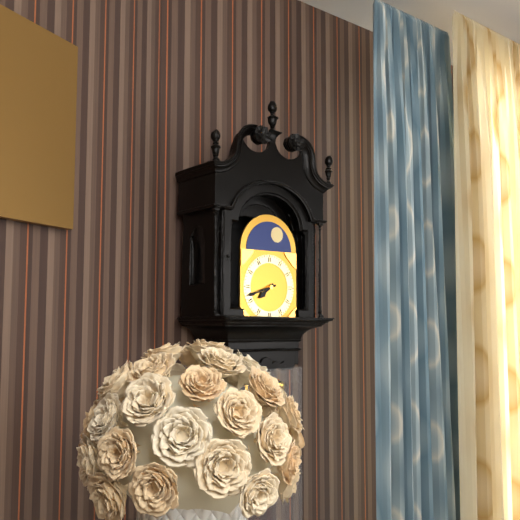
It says 7.42
